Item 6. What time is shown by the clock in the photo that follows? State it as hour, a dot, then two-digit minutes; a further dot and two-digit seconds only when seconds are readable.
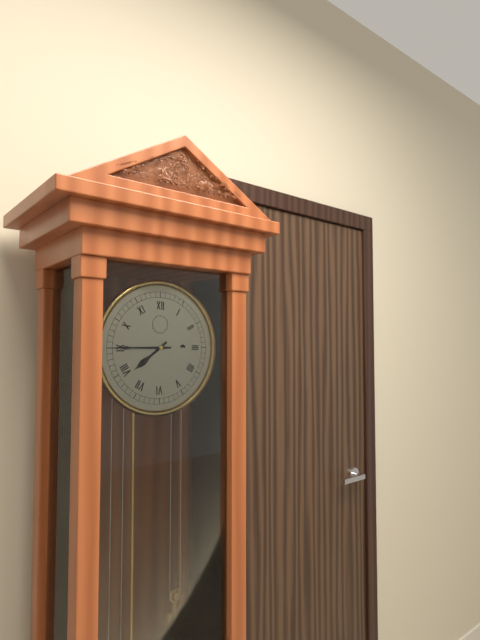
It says 7.45
